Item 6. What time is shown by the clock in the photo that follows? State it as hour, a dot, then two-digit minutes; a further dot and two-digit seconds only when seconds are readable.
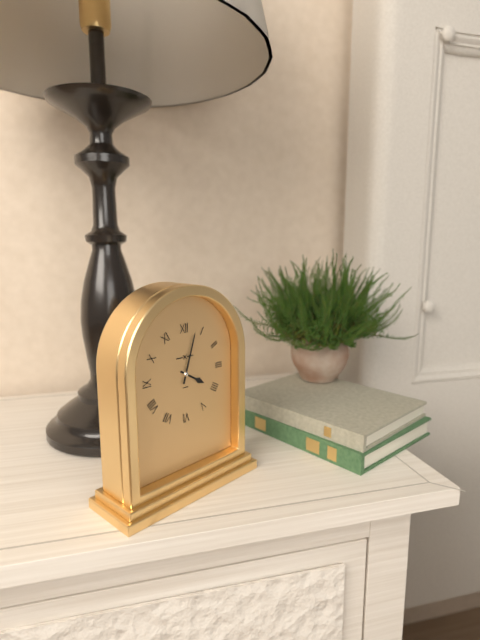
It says 4.03
